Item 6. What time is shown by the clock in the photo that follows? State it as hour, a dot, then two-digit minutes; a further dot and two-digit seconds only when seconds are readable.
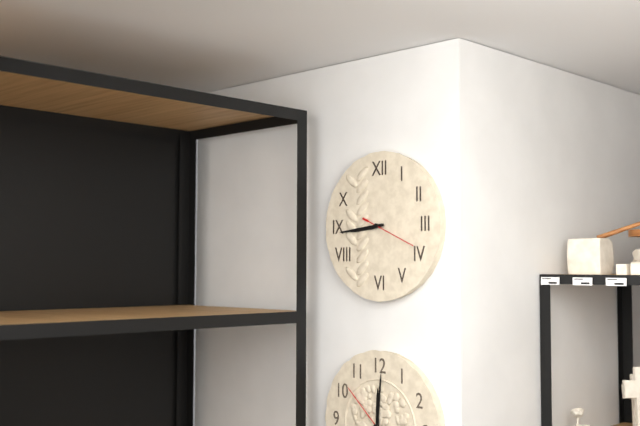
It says 8.44.19
